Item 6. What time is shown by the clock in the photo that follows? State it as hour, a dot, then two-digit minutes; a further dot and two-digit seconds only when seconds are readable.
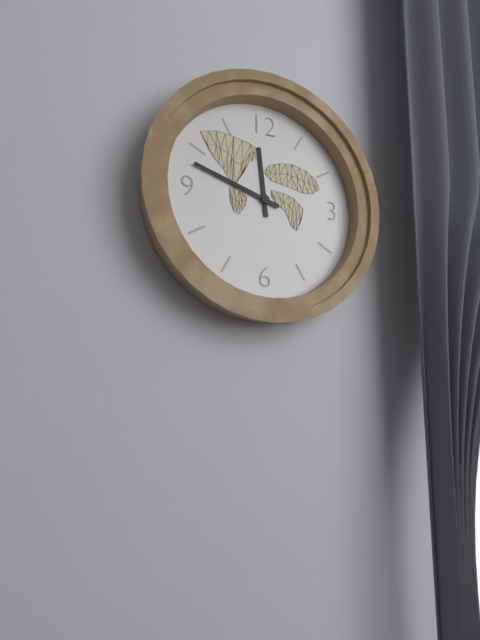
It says 11.48
